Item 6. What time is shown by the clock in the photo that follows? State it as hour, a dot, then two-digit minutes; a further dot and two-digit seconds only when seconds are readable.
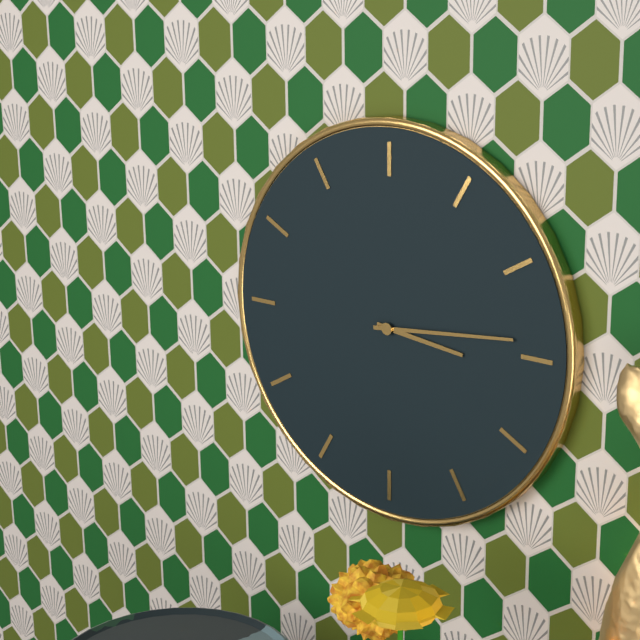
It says 3.14
